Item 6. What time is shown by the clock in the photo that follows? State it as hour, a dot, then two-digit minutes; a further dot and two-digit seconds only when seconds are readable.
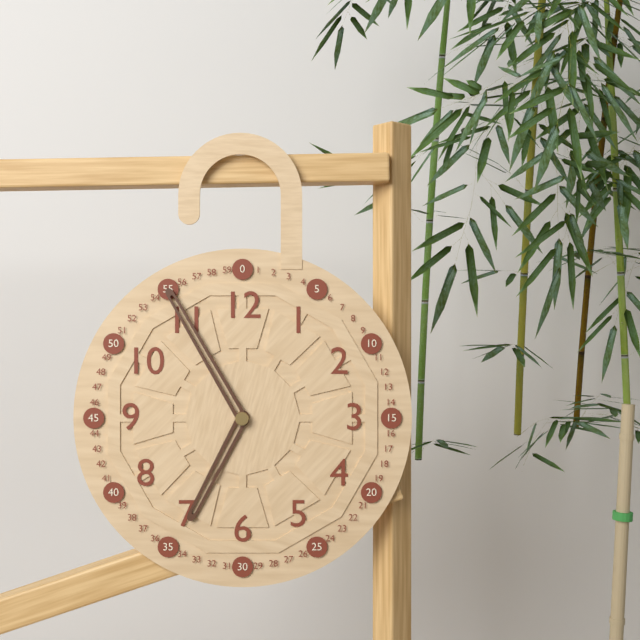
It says 6.55
